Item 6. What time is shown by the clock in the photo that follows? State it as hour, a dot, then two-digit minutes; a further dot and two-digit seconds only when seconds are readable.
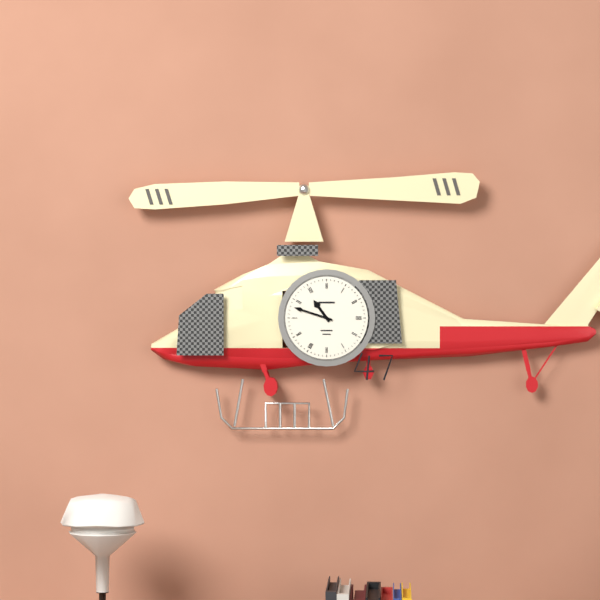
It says 10.48
